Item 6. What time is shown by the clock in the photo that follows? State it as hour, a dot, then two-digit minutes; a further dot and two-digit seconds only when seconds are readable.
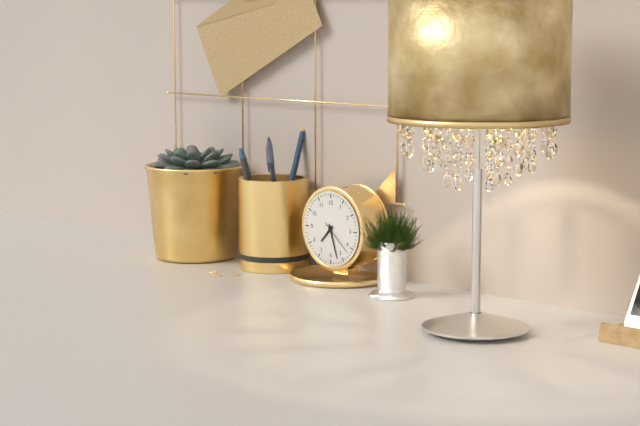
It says 7.27
